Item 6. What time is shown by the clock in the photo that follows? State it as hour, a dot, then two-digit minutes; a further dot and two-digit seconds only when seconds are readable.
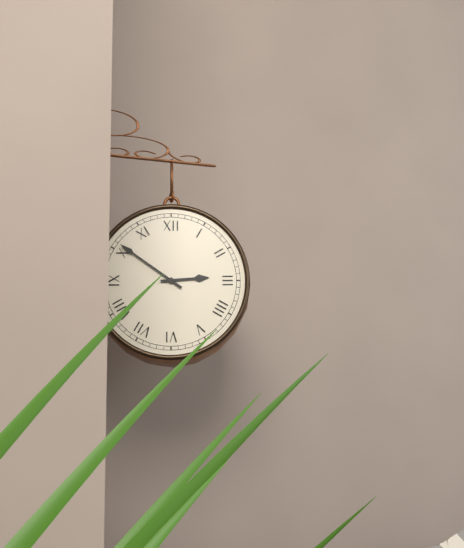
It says 2.51
